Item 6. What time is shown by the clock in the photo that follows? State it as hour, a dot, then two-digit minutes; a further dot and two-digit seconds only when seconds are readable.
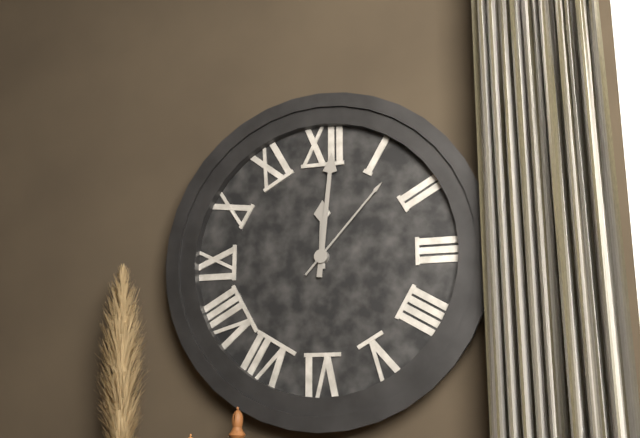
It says 12.01.07
